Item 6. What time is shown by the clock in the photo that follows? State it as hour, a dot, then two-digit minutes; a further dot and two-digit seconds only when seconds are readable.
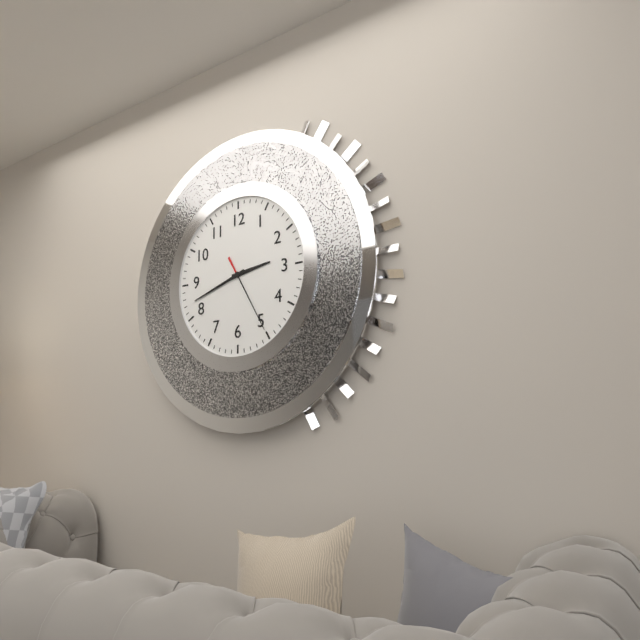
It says 2.42.25
